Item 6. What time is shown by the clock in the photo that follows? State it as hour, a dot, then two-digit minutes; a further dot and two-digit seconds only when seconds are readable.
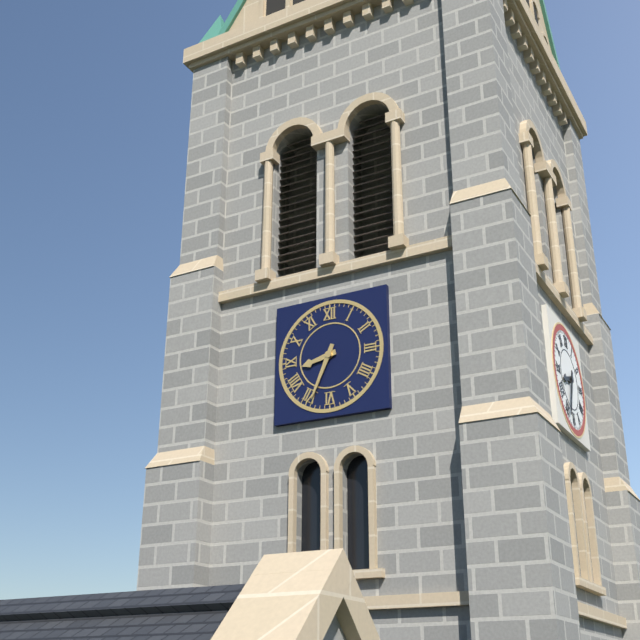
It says 8.34
